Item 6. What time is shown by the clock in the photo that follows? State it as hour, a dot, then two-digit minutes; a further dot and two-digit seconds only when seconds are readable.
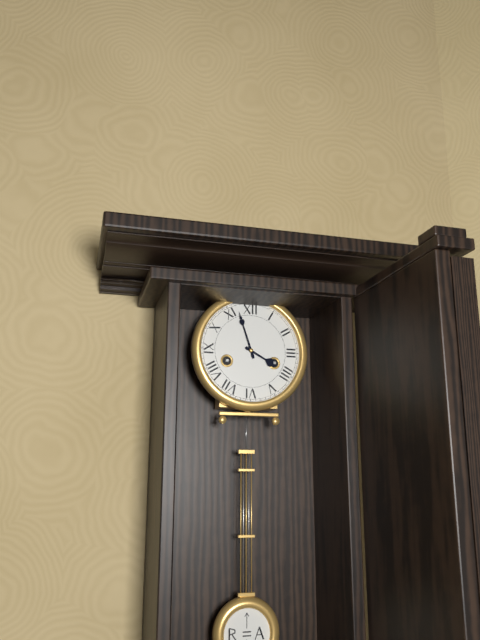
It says 3.57
